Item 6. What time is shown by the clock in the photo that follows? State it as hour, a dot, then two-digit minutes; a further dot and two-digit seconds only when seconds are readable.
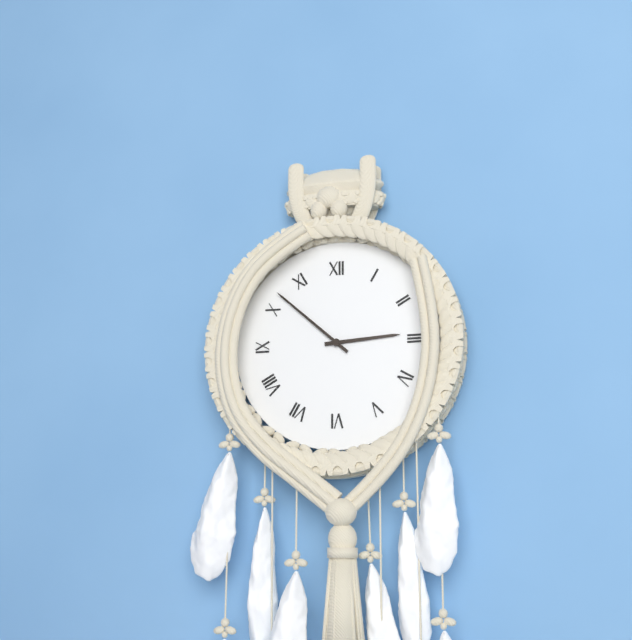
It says 2.52
